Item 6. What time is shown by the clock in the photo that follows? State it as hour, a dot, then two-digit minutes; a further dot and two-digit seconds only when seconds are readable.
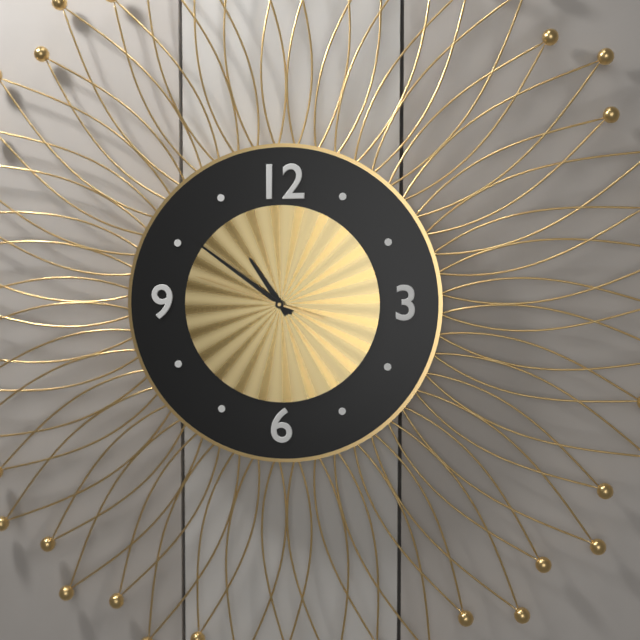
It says 10.51.48
